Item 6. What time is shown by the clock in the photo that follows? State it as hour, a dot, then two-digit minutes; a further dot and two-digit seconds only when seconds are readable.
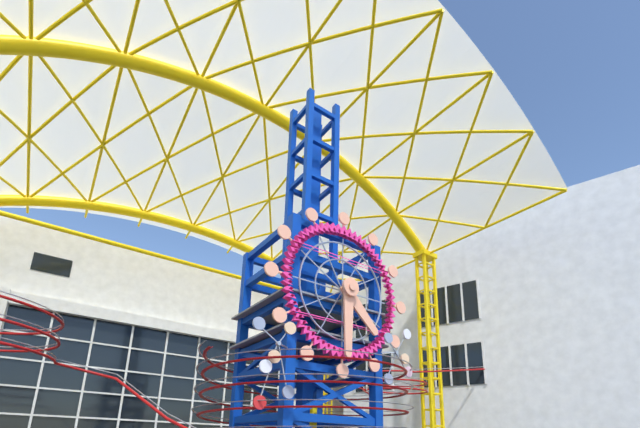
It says 4.30
